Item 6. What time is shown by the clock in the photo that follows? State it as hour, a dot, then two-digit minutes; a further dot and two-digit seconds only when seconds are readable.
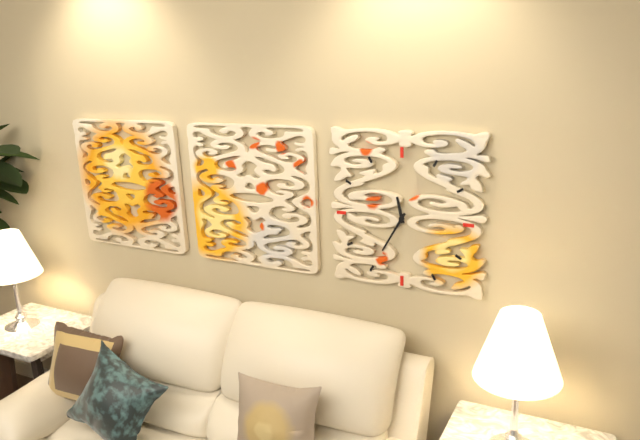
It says 11.35
